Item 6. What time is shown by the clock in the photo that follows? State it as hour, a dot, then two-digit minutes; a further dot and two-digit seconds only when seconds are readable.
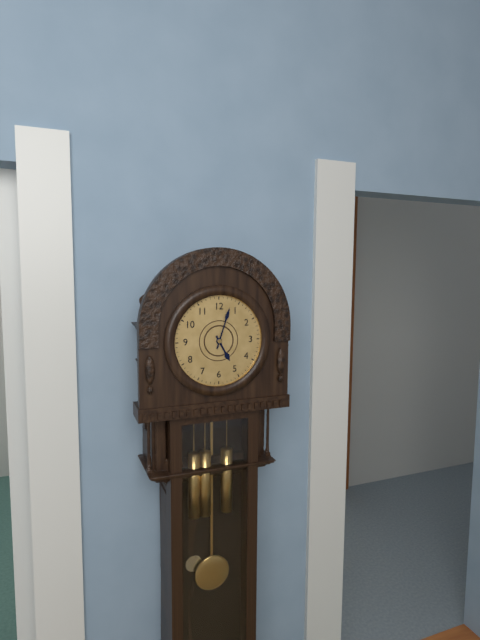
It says 5.03
